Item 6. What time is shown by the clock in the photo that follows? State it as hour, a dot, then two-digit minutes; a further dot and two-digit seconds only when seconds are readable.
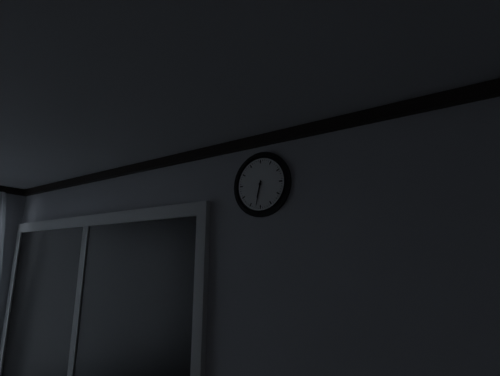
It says 6.32
